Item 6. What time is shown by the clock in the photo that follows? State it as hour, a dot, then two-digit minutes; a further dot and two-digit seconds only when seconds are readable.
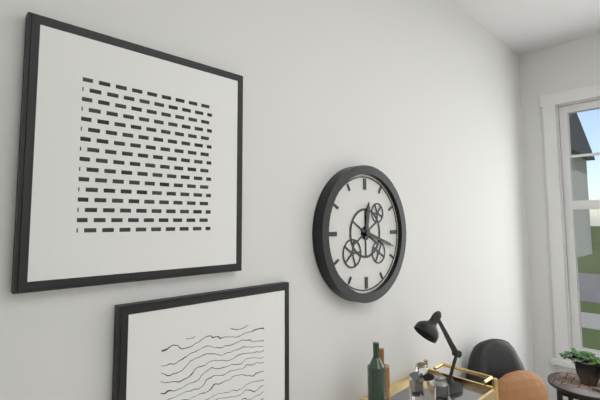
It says 12.18
